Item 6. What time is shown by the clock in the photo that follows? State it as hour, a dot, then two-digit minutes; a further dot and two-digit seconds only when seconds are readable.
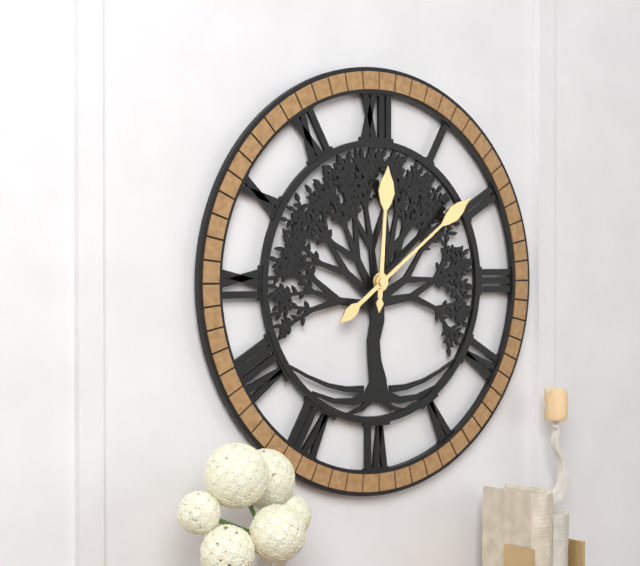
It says 12.09
